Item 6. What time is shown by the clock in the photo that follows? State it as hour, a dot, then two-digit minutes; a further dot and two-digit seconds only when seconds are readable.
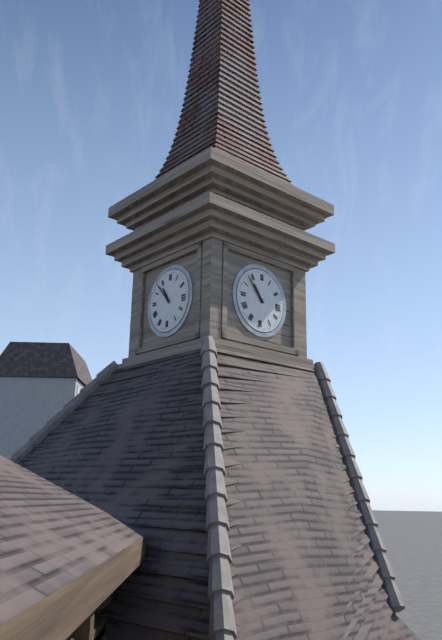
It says 10.53
